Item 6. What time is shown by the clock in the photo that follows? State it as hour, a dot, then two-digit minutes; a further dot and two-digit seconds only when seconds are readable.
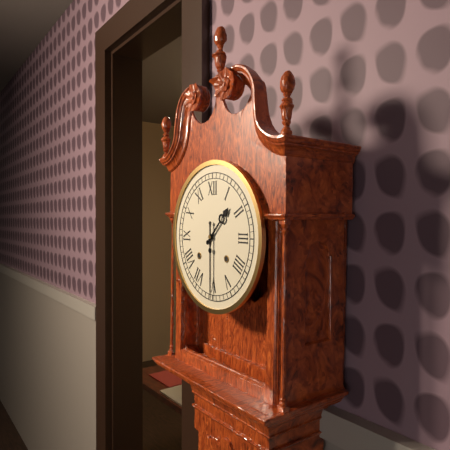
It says 1.30
